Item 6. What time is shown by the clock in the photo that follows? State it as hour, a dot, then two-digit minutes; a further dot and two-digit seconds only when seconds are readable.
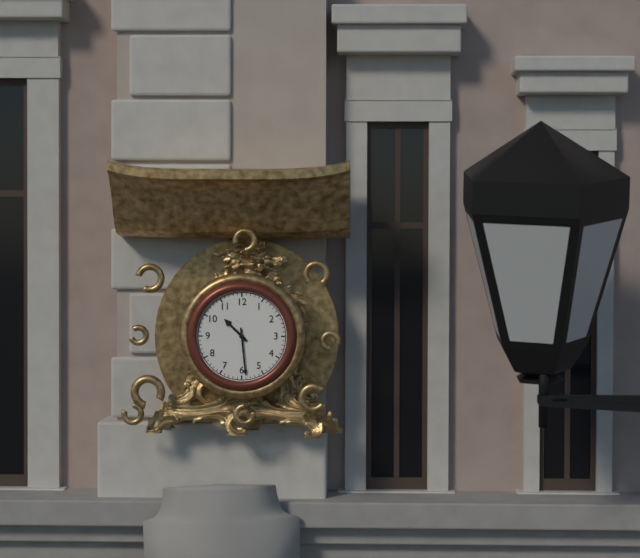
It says 10.29
